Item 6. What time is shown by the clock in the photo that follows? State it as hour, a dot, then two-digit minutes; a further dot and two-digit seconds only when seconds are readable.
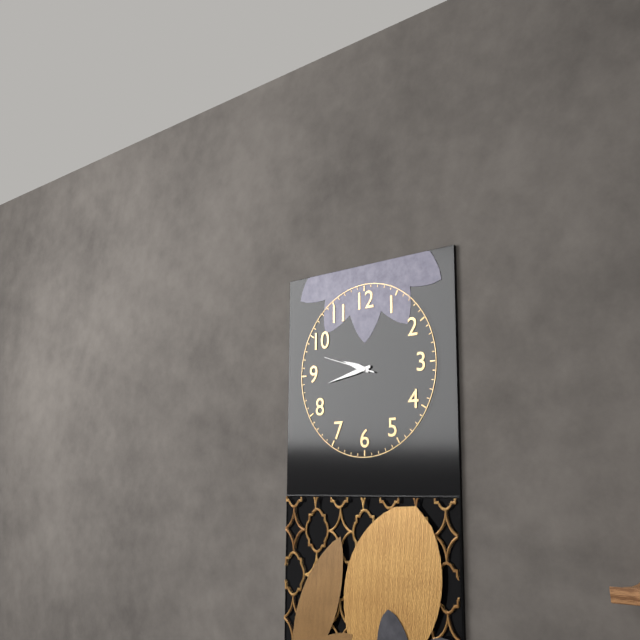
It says 9.43.48
